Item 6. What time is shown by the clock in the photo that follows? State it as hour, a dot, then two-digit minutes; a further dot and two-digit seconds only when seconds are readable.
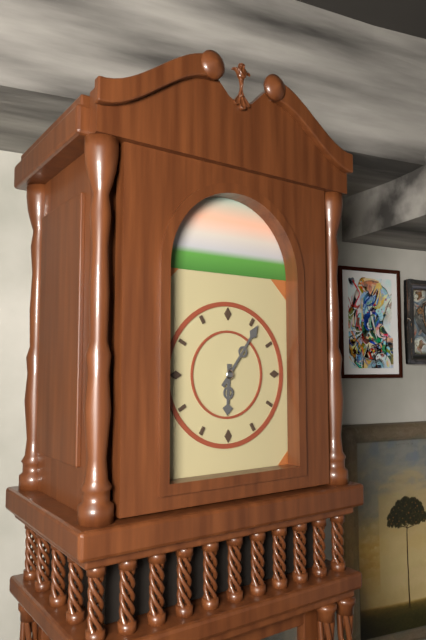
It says 6.06
